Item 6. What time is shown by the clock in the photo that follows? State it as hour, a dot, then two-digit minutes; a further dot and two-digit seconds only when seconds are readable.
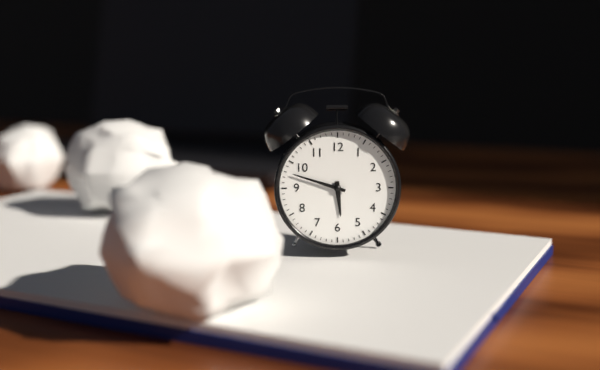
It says 5.48
